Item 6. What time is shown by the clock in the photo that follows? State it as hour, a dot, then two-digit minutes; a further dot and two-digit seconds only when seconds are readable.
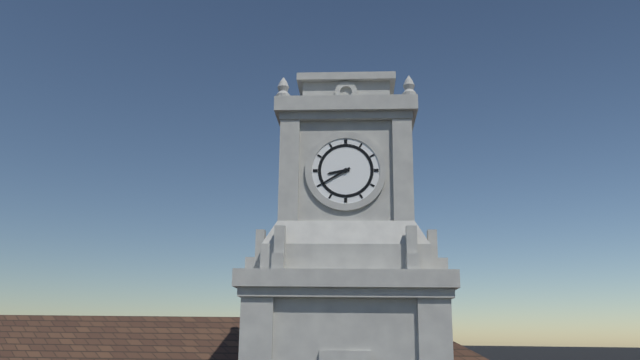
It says 8.40
